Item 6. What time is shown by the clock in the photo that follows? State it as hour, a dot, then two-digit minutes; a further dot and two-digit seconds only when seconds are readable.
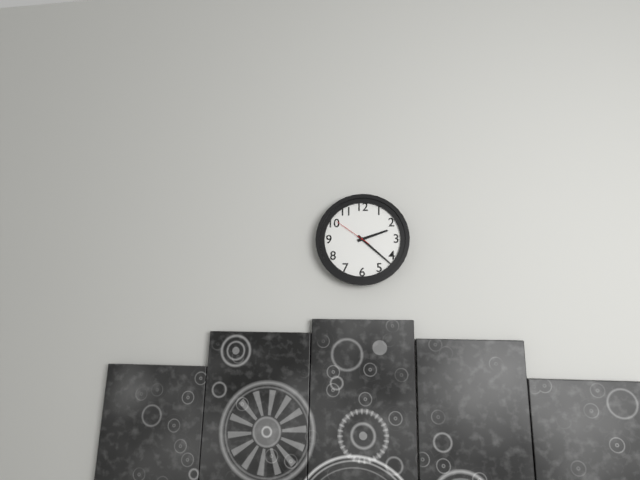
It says 2.22
